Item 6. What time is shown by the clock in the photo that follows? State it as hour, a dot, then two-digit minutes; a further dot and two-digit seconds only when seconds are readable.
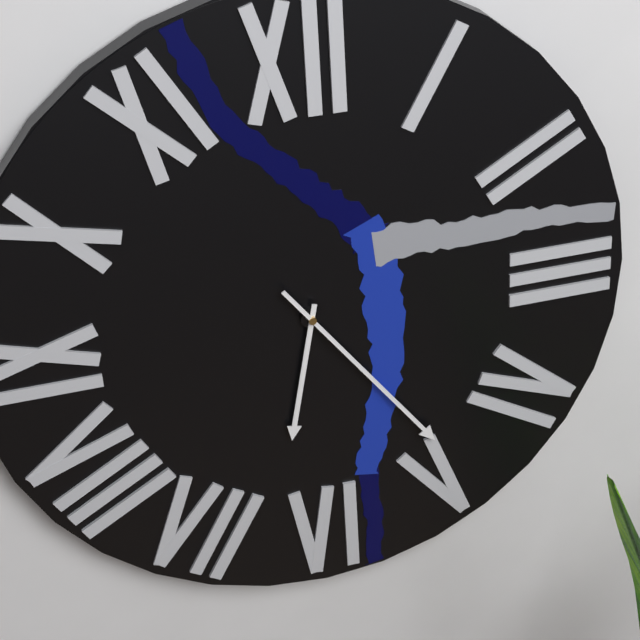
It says 6.24
